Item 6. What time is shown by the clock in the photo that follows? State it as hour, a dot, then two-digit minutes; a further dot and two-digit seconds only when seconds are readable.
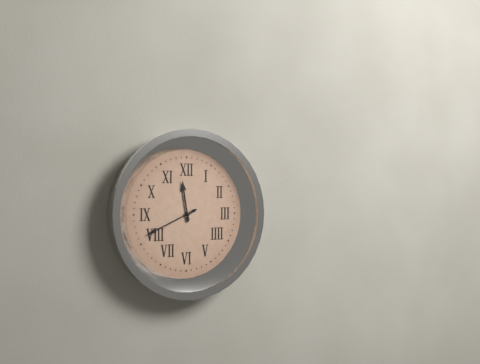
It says 11.41
